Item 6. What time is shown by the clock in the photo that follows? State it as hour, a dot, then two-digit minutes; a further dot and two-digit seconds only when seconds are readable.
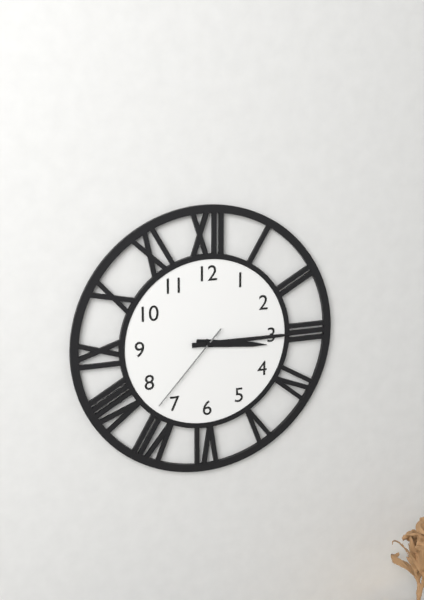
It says 3.15.37
